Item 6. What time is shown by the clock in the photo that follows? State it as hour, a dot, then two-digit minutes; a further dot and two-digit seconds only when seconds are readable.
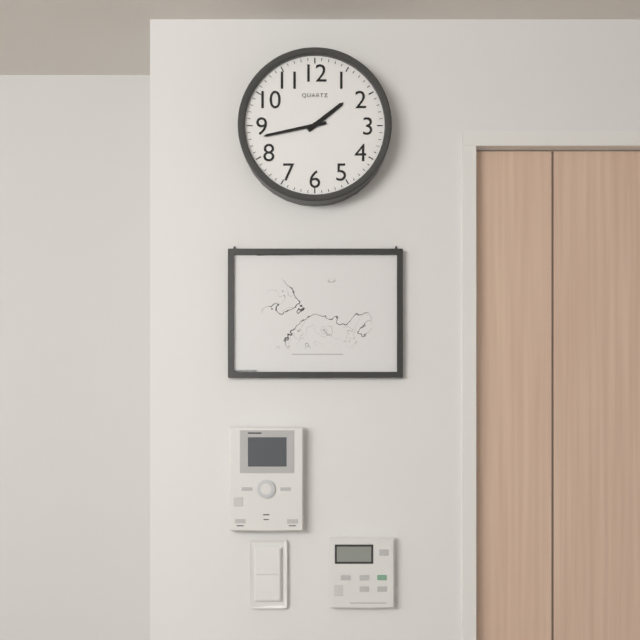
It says 1.43
